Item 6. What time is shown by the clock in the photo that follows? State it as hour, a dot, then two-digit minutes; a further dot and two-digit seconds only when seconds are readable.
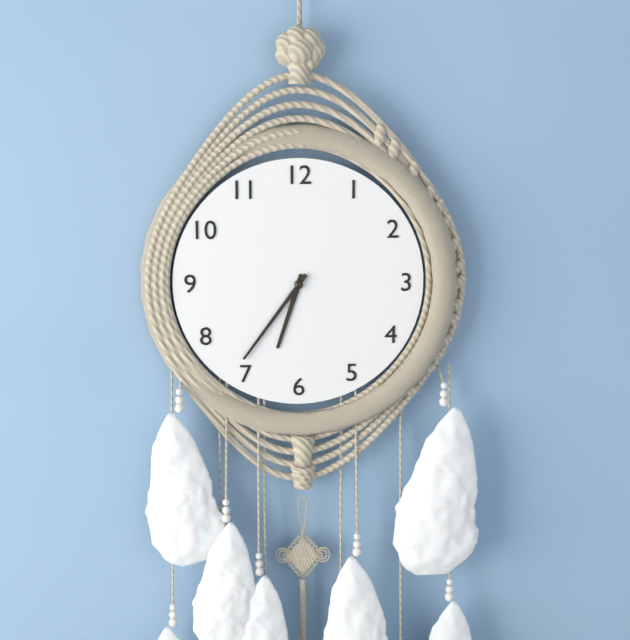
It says 6.36
